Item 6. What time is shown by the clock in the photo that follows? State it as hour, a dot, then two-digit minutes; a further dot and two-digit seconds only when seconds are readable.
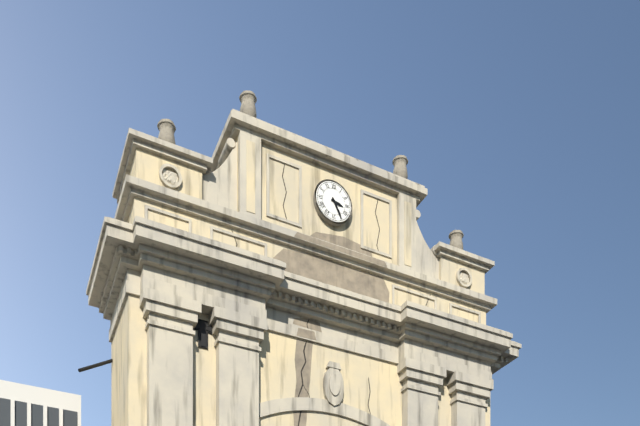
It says 3.25
